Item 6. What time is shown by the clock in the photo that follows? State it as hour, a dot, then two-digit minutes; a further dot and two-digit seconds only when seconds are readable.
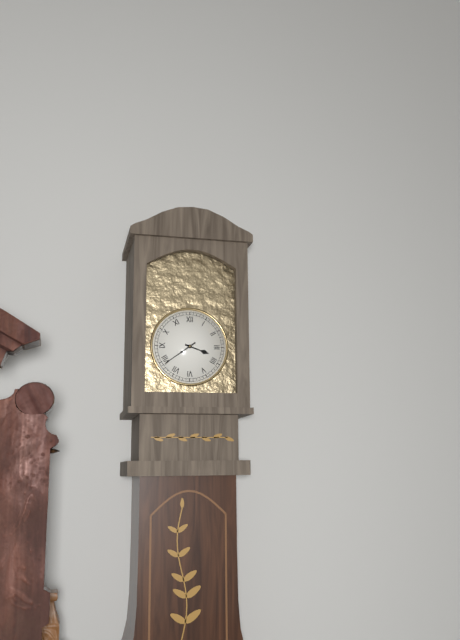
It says 3.39
